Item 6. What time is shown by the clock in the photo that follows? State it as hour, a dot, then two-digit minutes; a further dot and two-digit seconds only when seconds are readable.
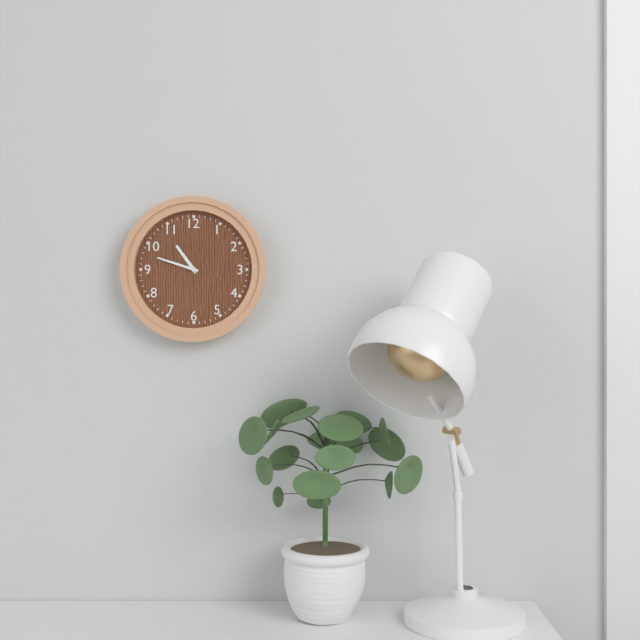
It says 10.48
